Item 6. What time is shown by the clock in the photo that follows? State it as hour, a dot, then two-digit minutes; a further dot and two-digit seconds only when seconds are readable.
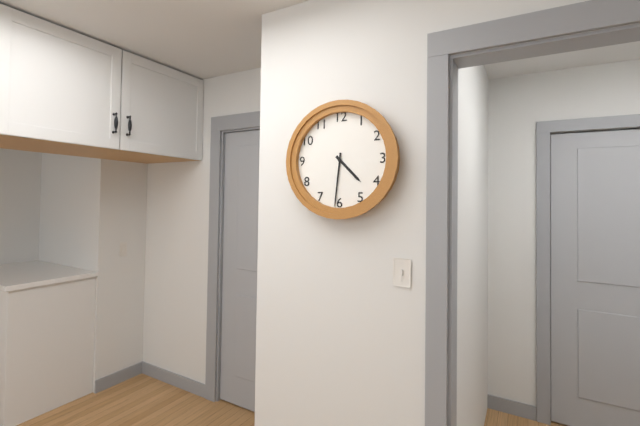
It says 4.31
